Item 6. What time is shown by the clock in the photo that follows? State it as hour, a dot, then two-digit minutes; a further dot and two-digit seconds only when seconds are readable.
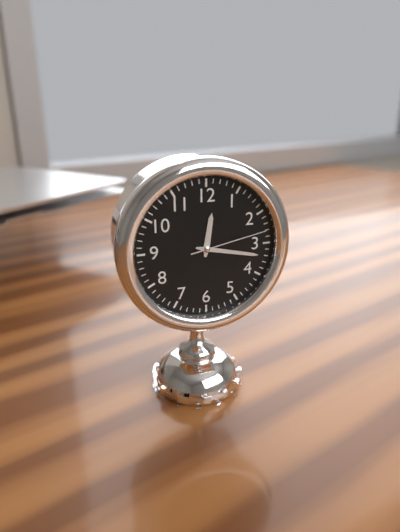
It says 12.17.13
